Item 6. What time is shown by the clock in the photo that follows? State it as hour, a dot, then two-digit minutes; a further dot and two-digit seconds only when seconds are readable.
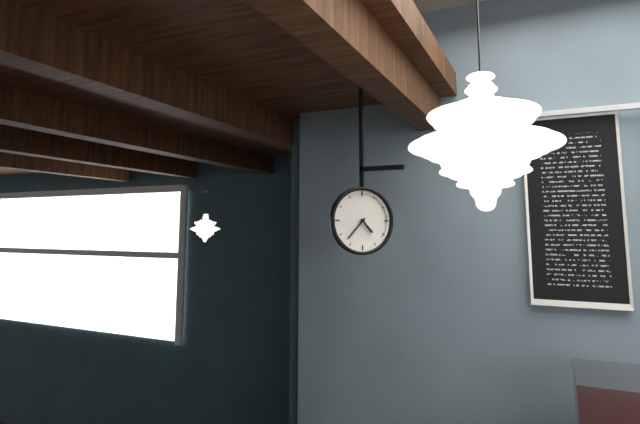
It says 4.37
